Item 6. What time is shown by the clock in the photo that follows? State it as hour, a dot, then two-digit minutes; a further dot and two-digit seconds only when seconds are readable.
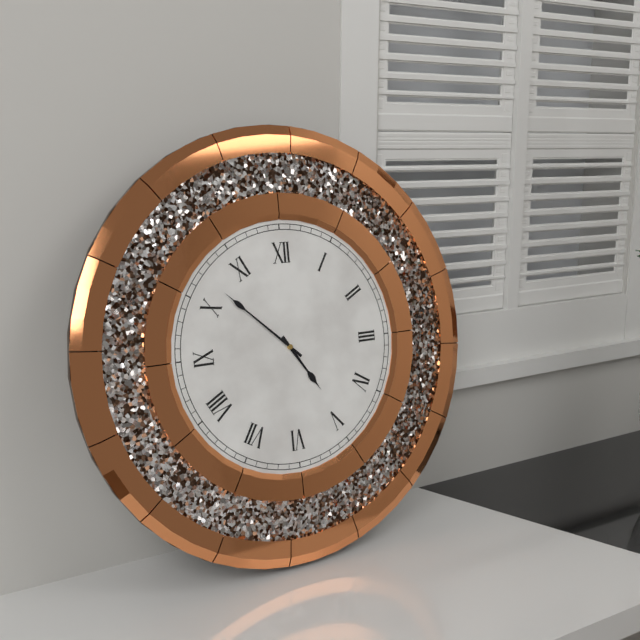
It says 4.52
